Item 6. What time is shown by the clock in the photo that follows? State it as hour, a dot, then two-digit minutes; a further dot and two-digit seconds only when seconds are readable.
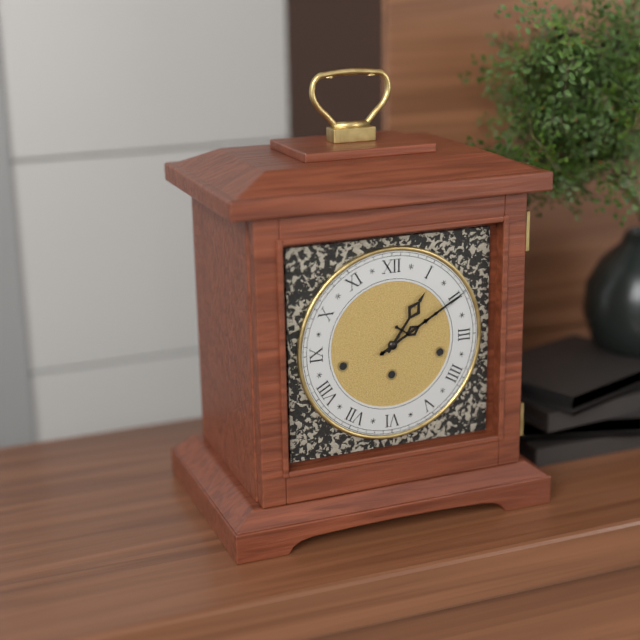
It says 1.10
